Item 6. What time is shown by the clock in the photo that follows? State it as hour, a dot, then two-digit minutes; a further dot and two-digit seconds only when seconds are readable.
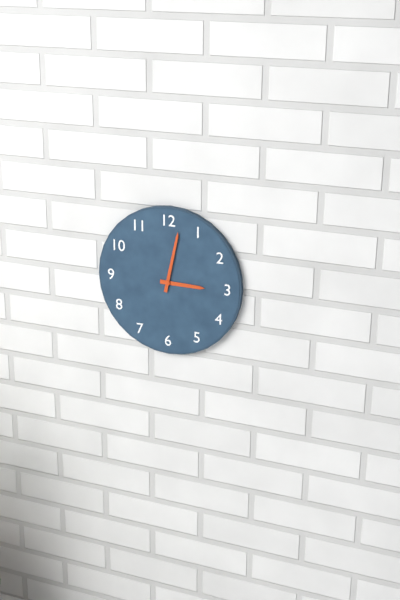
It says 3.02
